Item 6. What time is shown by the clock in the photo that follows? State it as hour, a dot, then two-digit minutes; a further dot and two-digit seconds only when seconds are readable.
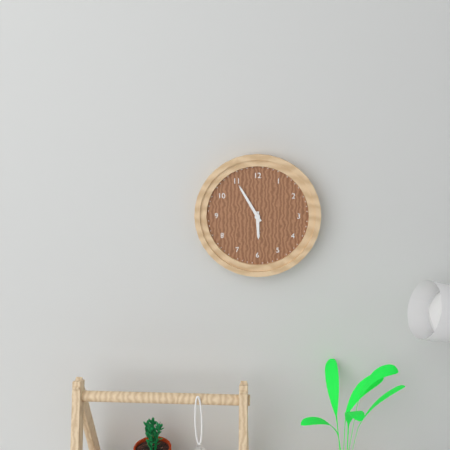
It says 5.55
